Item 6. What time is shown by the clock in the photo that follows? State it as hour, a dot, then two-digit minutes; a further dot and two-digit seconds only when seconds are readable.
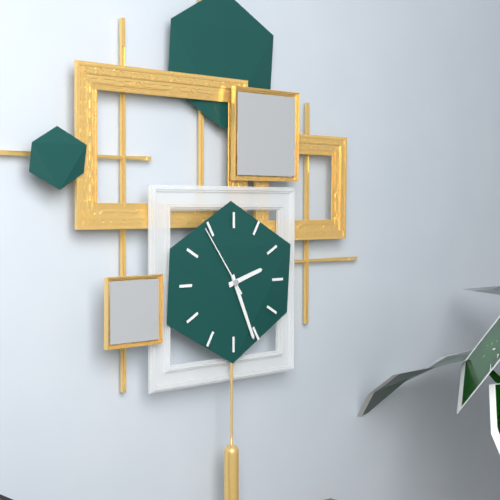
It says 2.26.54
